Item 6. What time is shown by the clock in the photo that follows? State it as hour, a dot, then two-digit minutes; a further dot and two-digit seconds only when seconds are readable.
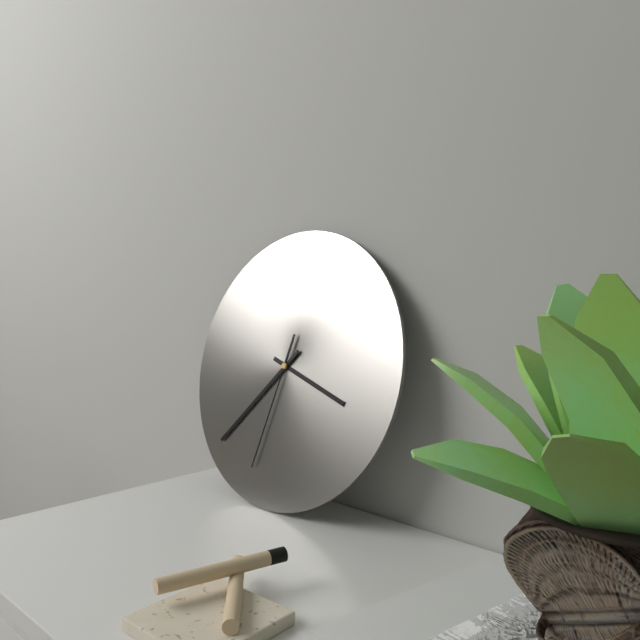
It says 3.37.32
